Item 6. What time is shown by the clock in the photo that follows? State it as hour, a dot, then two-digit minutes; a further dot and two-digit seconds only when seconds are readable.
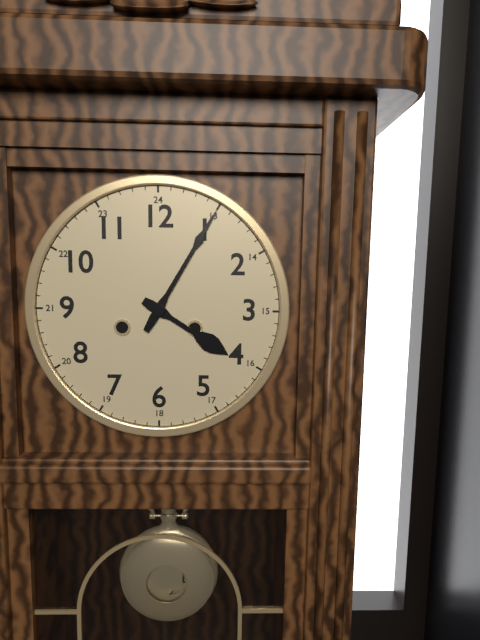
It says 4.05
